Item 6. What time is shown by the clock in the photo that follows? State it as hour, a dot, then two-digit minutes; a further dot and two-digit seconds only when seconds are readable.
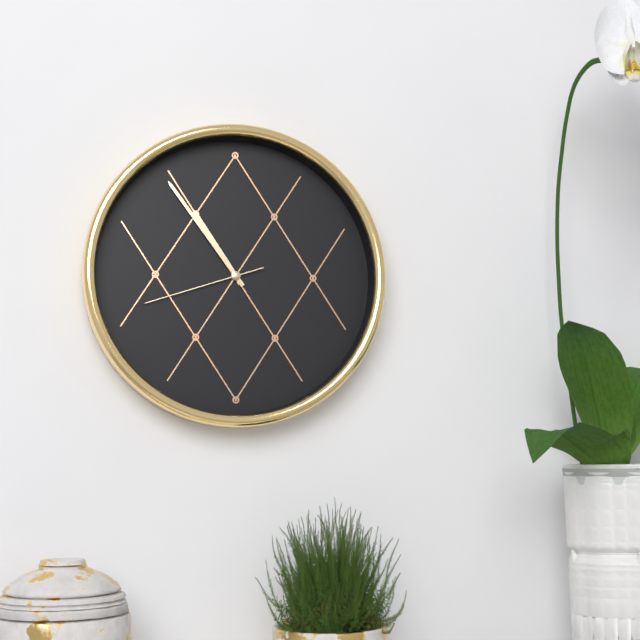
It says 10.54.42
